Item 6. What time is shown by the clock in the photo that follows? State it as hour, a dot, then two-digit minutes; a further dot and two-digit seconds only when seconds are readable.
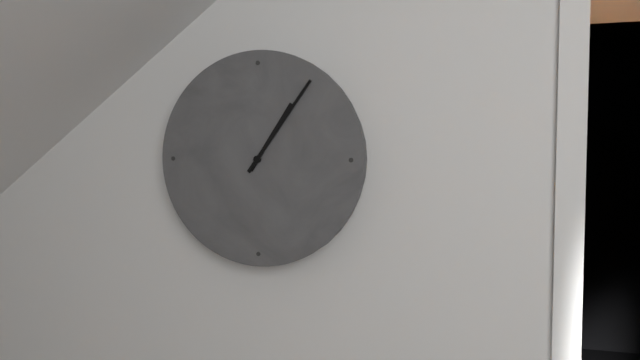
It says 1.06
